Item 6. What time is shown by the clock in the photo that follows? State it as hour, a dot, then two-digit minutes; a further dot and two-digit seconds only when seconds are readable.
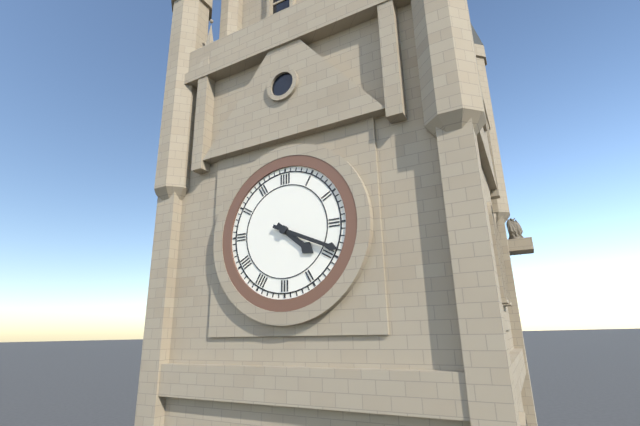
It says 4.19
